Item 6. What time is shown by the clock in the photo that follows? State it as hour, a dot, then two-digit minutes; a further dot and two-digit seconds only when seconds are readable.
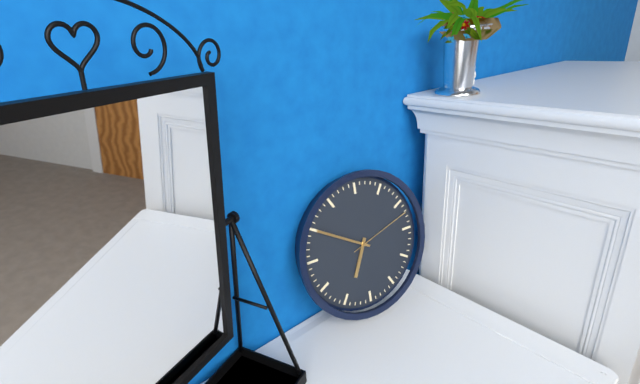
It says 6.50.12
